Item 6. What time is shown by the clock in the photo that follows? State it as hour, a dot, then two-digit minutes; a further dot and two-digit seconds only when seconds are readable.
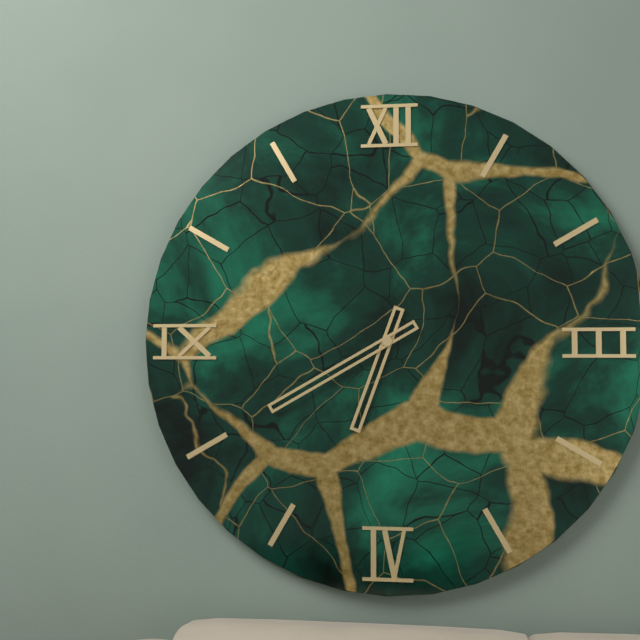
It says 6.40
